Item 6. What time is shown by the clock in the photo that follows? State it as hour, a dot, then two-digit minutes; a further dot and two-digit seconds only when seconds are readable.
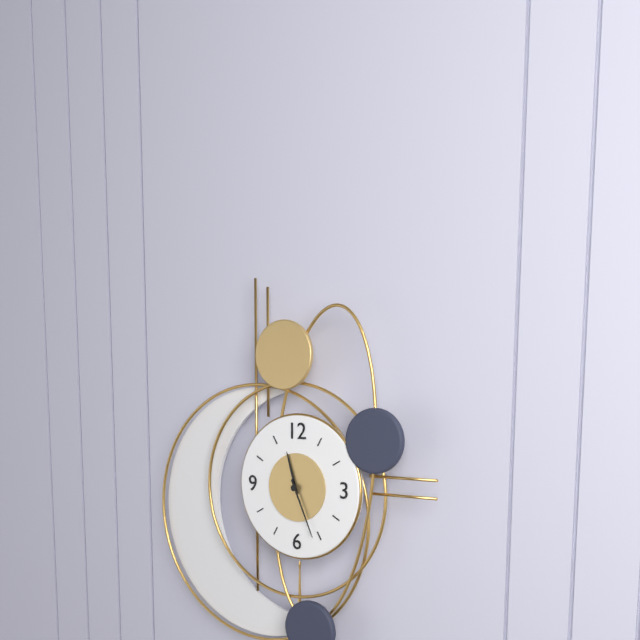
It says 11.26
